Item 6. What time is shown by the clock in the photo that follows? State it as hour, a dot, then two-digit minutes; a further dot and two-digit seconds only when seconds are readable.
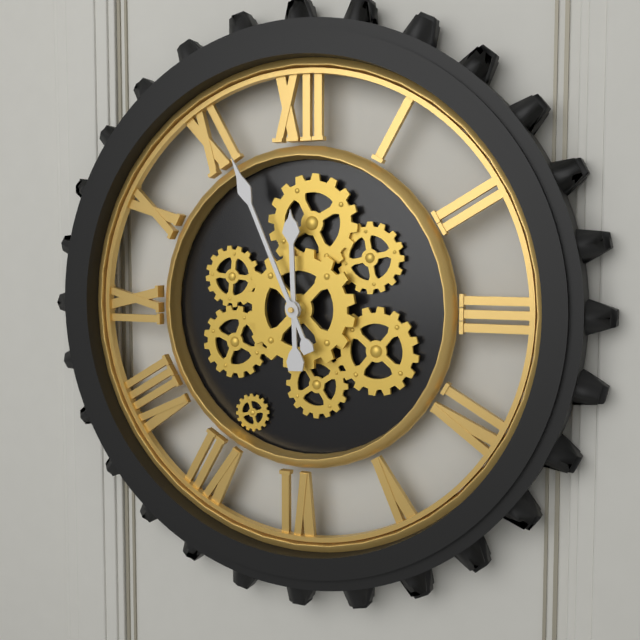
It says 11.56
